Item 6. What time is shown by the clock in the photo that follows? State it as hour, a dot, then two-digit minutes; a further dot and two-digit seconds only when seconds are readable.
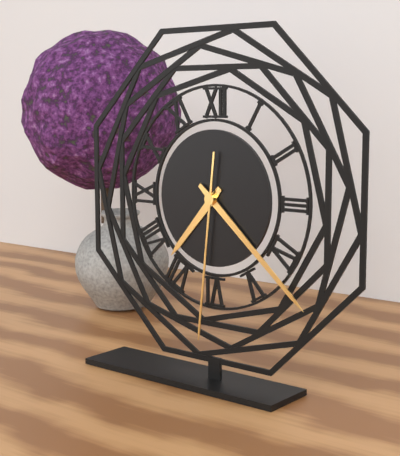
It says 7.22.31
